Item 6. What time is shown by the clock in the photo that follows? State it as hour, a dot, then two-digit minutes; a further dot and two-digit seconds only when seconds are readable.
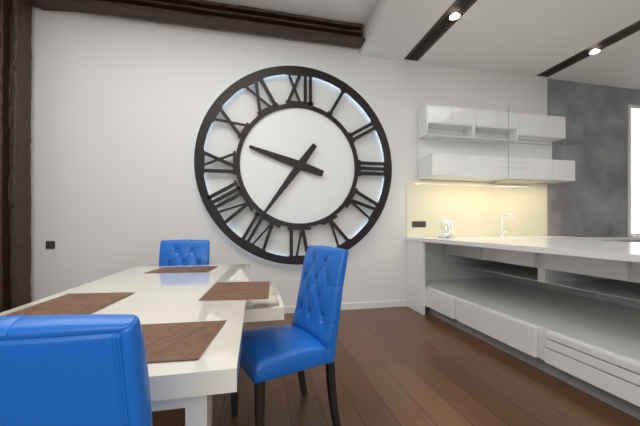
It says 9.36
